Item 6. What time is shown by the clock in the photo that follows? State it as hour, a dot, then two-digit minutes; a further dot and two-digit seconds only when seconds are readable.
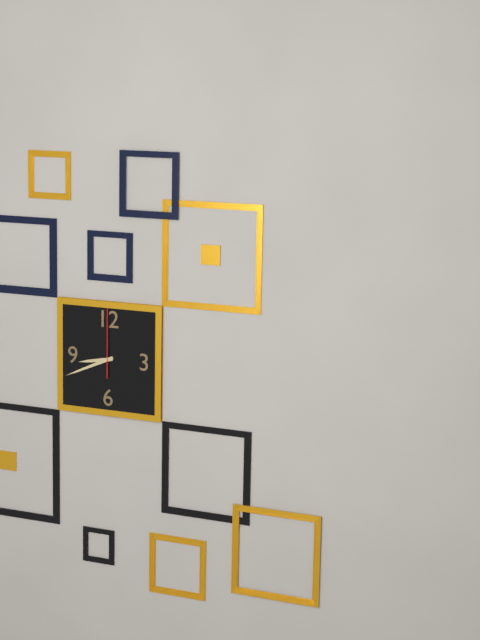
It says 8.41.00
